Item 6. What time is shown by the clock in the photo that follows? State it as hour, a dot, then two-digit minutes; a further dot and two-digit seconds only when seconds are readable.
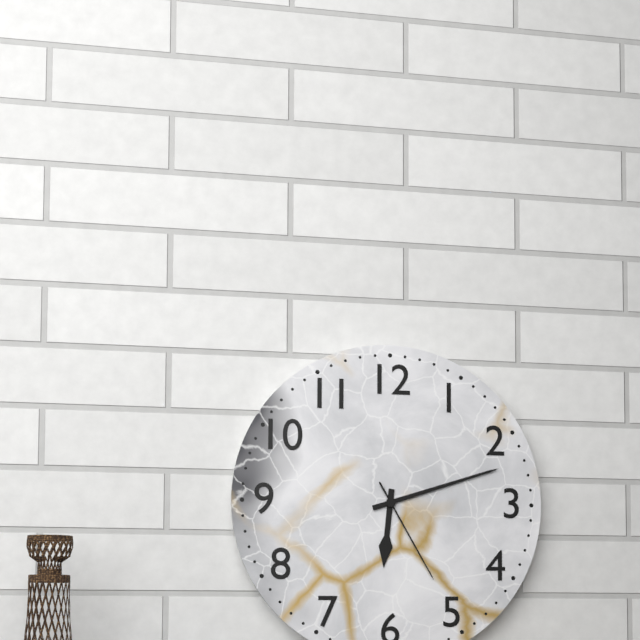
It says 6.12.25
